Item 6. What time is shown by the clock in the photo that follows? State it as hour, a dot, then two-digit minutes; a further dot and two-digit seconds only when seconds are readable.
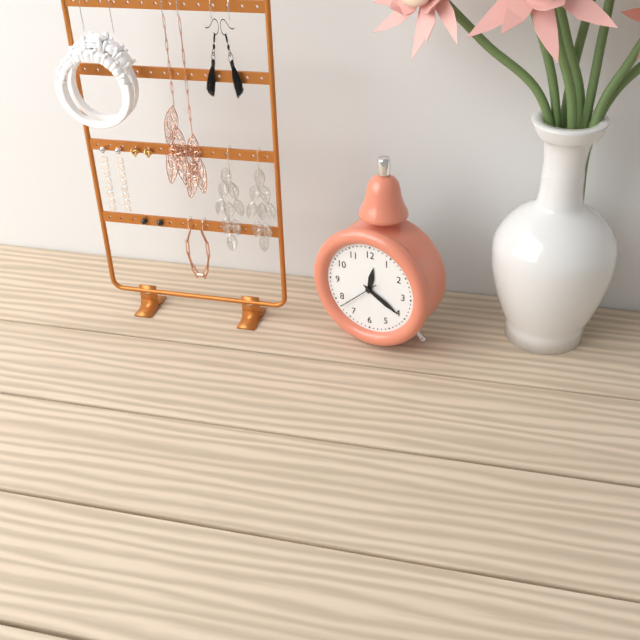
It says 12.20
